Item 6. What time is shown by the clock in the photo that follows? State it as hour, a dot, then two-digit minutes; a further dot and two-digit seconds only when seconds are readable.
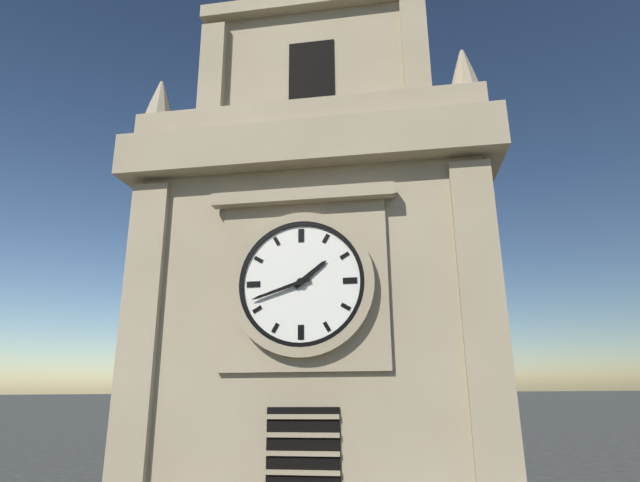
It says 1.42
